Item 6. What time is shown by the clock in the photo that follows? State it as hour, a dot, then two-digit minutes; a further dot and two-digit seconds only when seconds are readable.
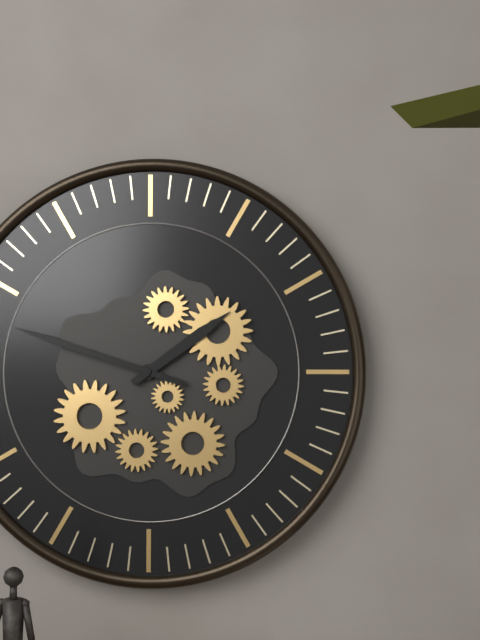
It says 1.48
